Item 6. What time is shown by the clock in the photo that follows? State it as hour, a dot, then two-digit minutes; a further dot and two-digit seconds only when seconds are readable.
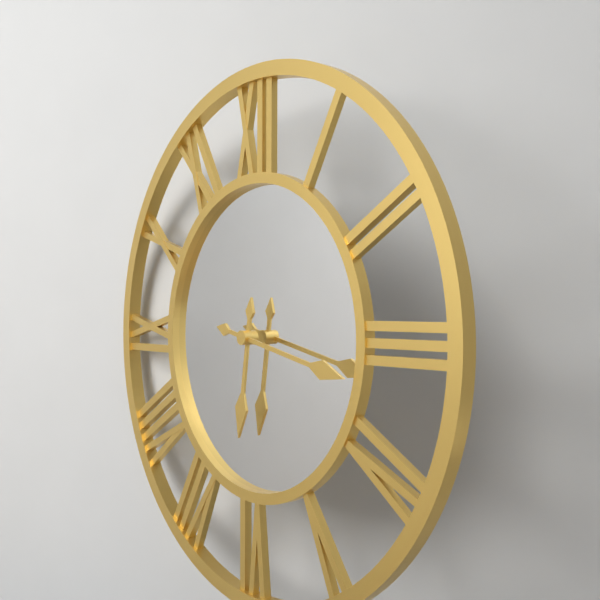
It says 6.17
